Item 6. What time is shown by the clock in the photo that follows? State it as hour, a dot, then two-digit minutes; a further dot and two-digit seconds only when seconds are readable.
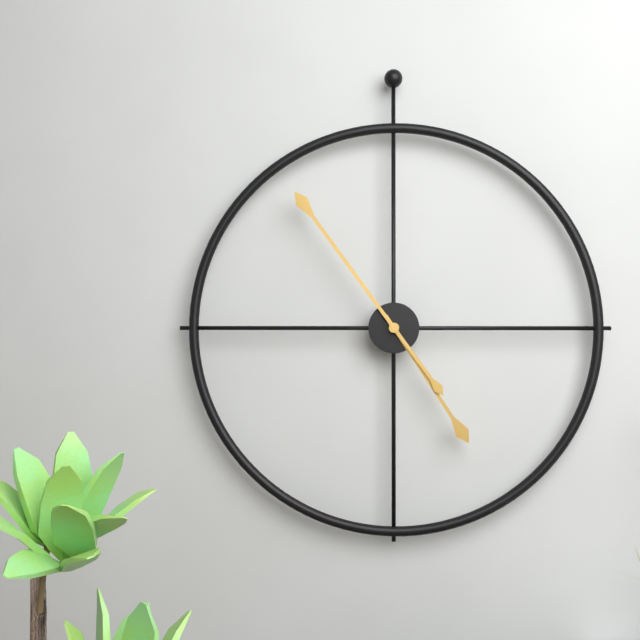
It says 4.54
